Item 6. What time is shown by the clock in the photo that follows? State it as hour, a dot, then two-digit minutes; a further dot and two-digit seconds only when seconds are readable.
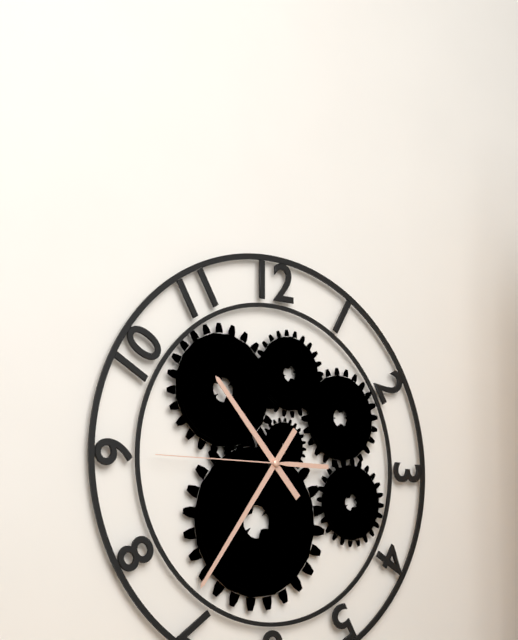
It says 10.36.45
